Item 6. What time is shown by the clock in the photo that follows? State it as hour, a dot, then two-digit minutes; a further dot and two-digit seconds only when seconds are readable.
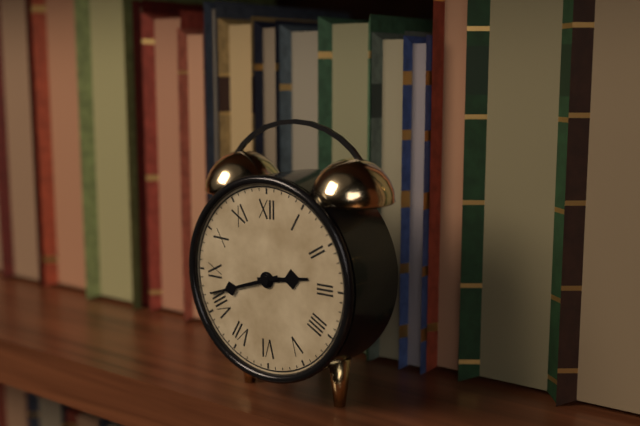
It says 2.42
